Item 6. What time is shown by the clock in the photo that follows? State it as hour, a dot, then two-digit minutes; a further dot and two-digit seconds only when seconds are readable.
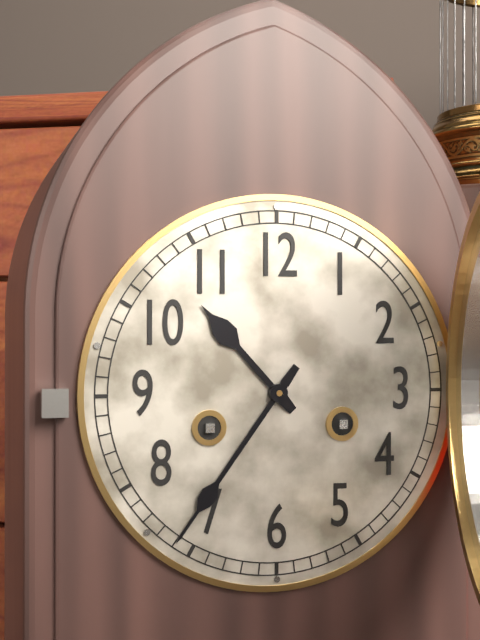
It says 10.36
